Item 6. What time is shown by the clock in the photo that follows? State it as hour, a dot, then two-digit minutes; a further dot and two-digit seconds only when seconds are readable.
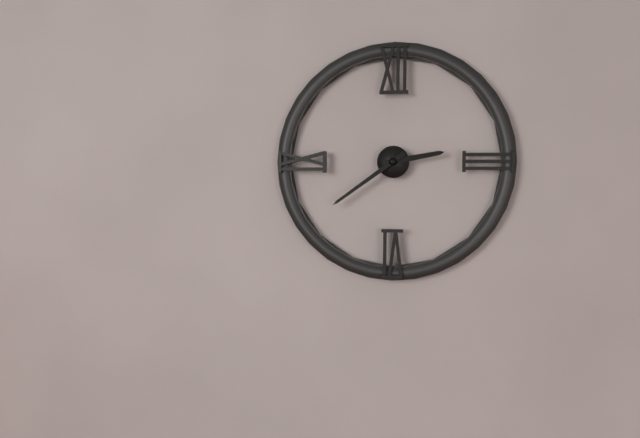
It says 2.39
